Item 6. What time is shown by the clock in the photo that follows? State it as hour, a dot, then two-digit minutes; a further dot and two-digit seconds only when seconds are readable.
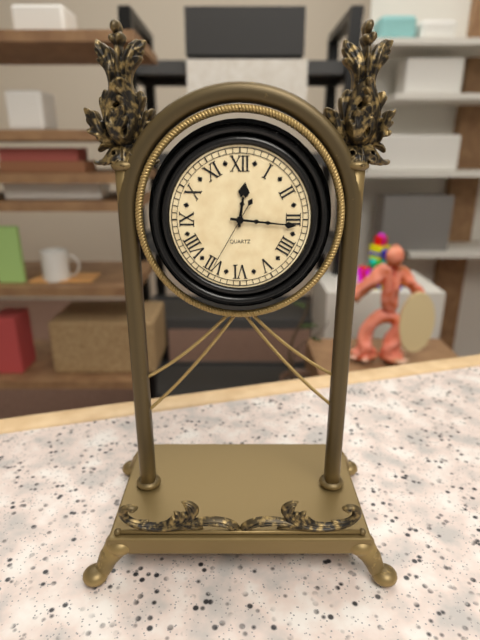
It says 12.16.35
